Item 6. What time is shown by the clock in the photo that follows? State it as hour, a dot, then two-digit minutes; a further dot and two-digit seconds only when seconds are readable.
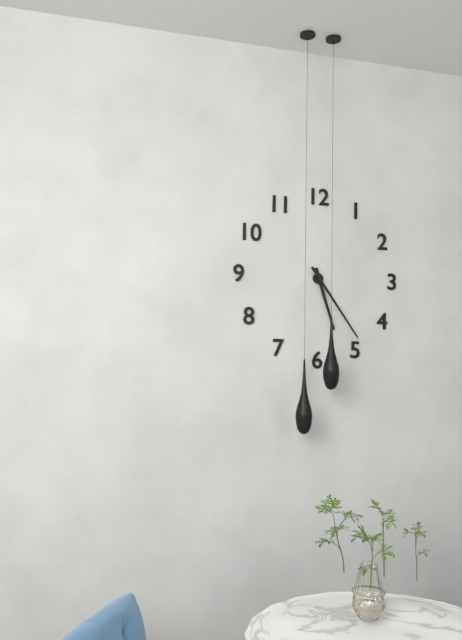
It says 5.24
